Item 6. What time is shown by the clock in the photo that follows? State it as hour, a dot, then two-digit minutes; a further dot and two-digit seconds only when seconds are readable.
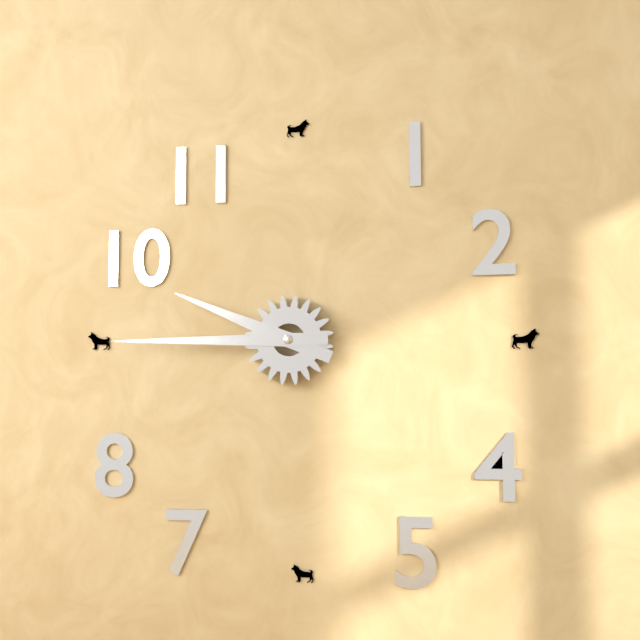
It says 9.45
